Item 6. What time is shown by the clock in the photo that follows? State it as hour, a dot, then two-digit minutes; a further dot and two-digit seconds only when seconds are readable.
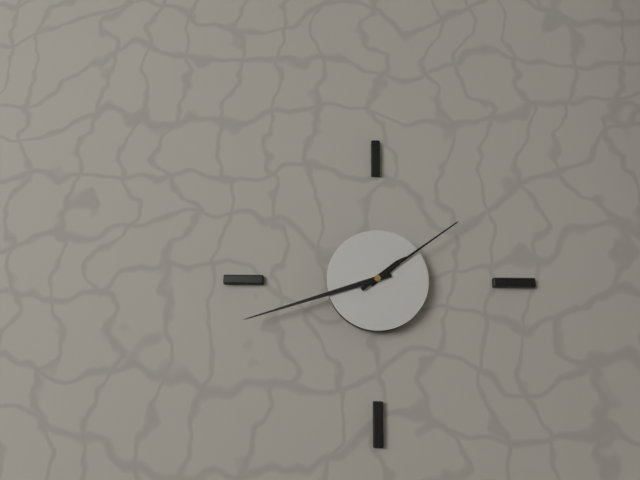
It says 1.42.09
